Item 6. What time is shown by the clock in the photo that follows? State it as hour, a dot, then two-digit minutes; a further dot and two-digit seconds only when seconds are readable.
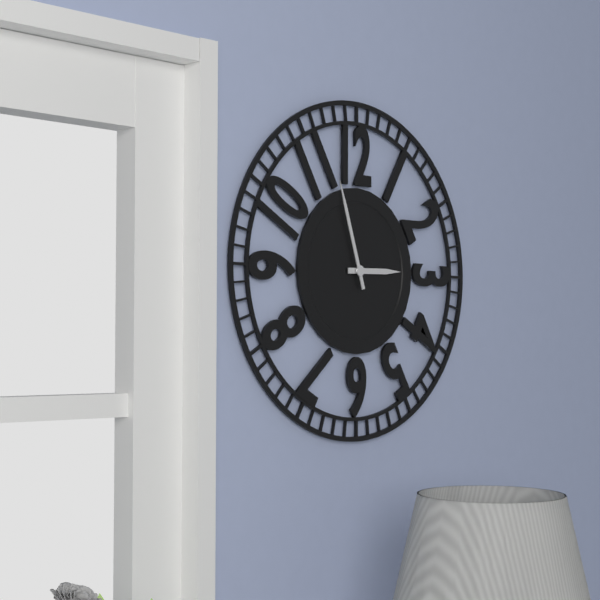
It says 2.57
